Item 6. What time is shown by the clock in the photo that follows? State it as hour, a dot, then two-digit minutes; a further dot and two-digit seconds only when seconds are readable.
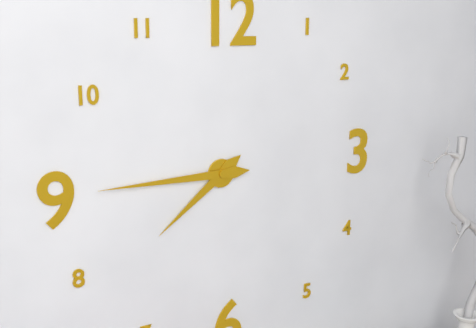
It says 7.45
